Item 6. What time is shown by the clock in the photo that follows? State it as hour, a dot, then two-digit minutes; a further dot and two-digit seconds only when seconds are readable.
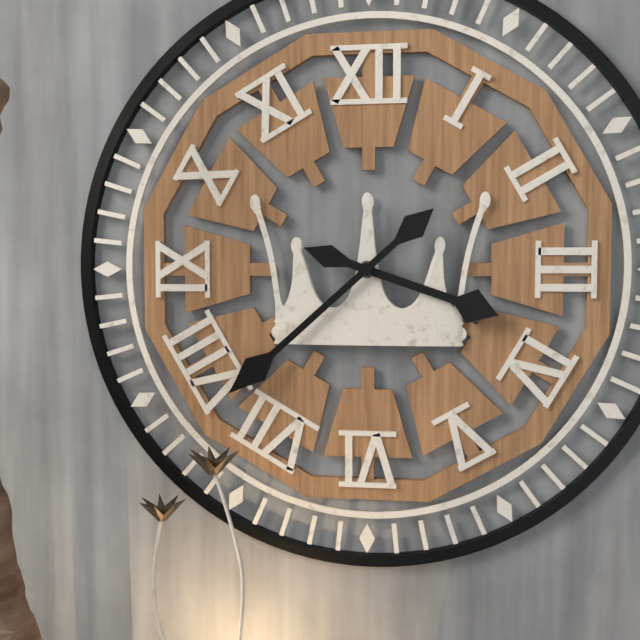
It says 3.38
